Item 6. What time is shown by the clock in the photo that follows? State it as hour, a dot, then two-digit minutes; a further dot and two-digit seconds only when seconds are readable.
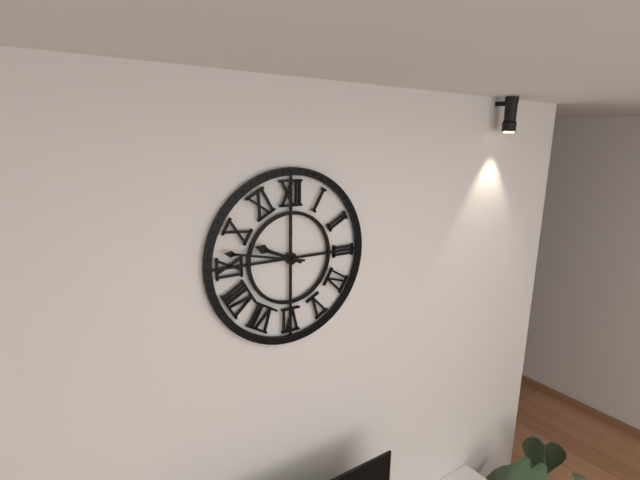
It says 9.47
